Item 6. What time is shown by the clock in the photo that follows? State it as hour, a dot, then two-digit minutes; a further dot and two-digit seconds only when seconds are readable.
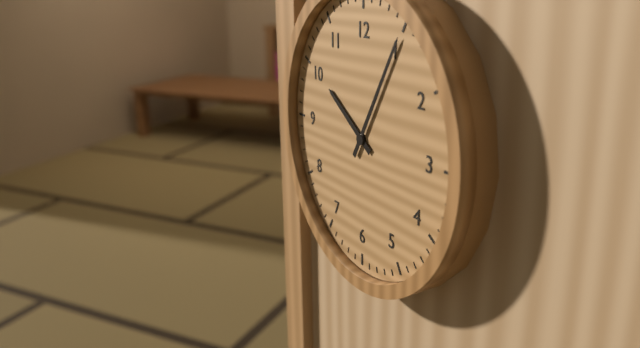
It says 10.05
